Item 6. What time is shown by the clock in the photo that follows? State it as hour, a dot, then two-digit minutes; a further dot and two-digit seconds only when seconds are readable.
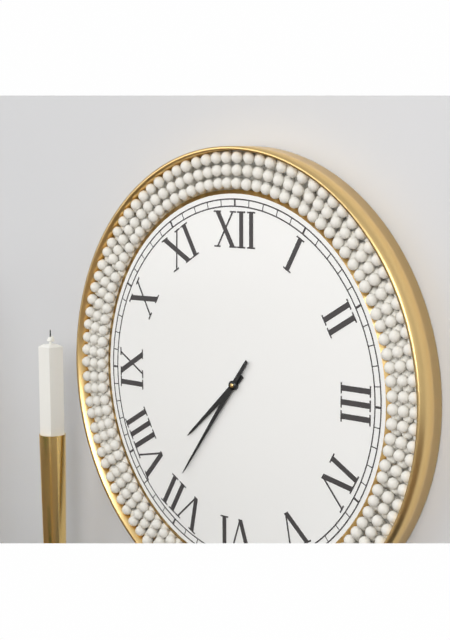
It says 7.36
